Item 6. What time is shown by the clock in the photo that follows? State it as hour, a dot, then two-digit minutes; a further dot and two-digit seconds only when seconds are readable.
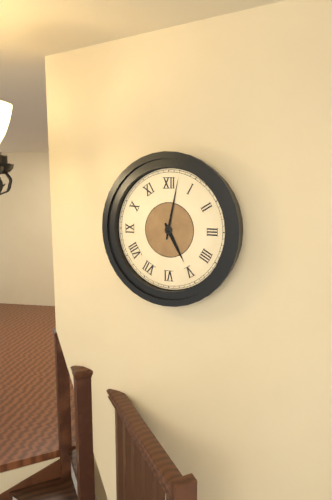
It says 5.02
